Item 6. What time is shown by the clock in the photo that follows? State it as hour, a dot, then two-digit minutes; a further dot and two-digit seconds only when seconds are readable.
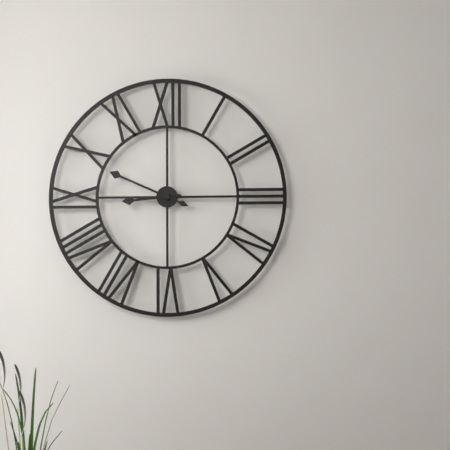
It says 8.49
